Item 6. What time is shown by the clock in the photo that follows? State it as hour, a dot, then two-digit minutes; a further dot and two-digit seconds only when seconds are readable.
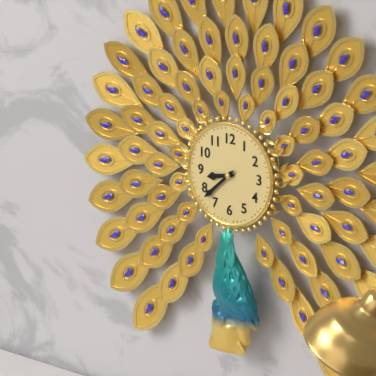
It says 8.38
